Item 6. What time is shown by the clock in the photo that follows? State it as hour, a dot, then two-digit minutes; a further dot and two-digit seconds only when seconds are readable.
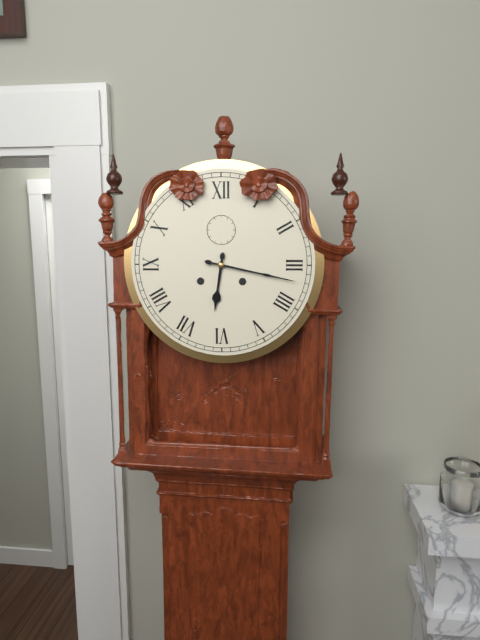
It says 6.17
